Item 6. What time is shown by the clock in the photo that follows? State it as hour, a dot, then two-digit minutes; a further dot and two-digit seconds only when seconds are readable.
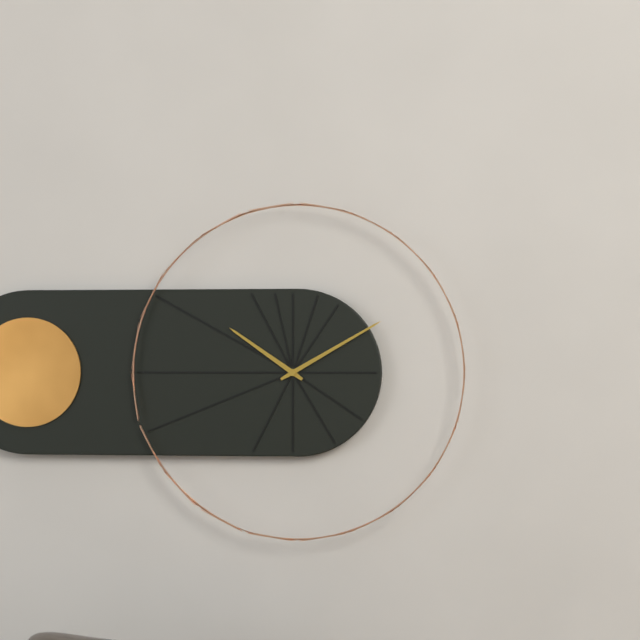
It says 10.10
